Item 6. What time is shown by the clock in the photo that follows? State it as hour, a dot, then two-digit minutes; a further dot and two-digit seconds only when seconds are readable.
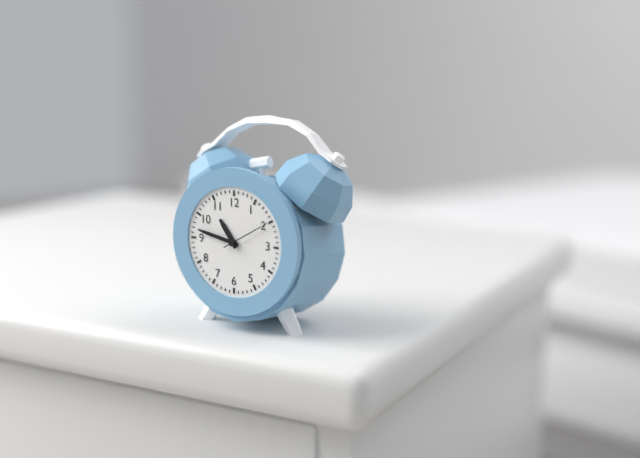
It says 10.47
